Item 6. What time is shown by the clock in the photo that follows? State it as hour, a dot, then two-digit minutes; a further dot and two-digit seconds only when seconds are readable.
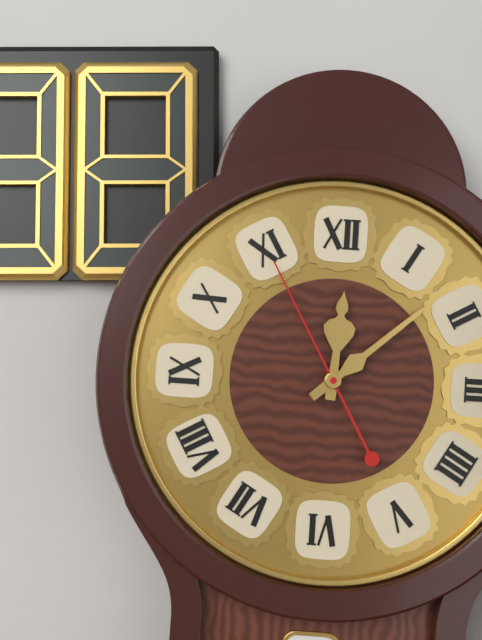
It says 12.08.55
